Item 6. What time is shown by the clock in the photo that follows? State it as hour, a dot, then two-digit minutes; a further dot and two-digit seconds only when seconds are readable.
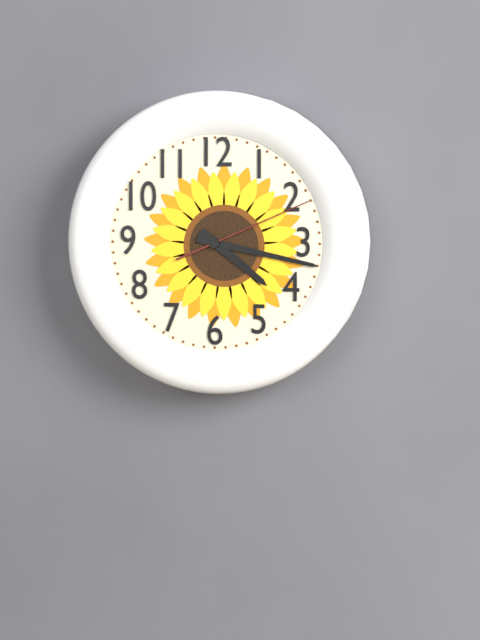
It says 4.17.11
